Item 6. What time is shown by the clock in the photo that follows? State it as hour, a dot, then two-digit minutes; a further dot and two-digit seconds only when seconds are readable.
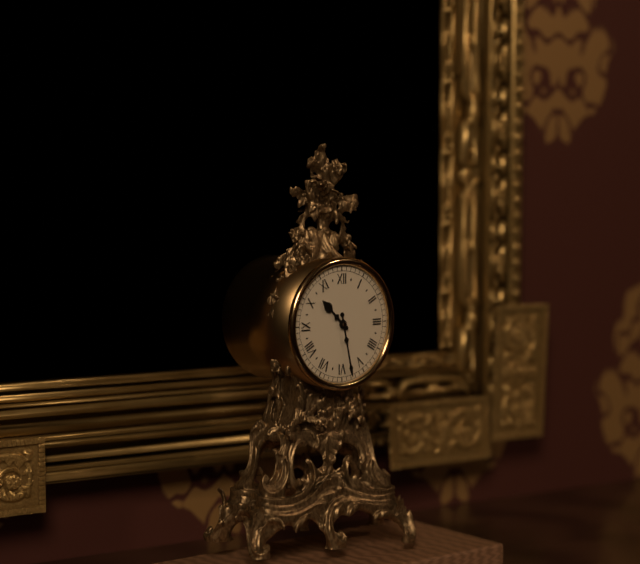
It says 10.28
